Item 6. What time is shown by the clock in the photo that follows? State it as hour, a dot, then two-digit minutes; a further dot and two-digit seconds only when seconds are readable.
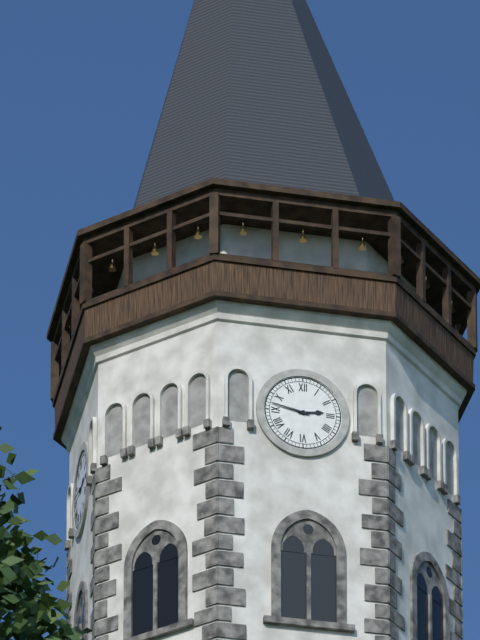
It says 2.47
